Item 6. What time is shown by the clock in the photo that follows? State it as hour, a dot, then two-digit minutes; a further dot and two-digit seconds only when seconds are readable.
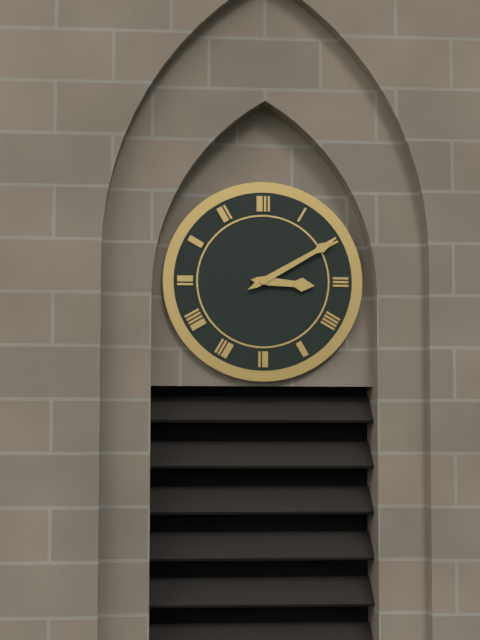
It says 3.10
